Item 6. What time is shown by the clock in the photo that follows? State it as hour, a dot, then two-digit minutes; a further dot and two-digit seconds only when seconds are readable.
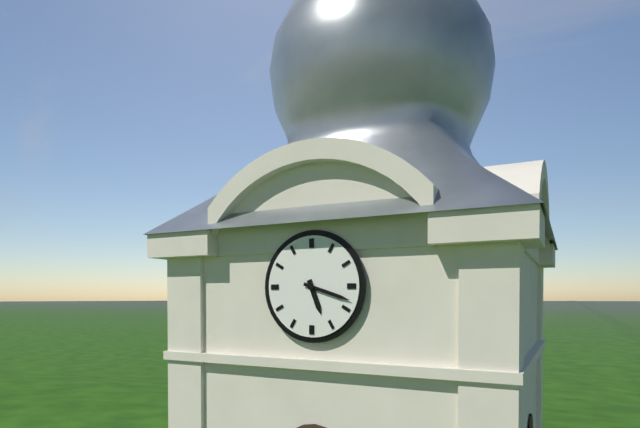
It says 5.18
